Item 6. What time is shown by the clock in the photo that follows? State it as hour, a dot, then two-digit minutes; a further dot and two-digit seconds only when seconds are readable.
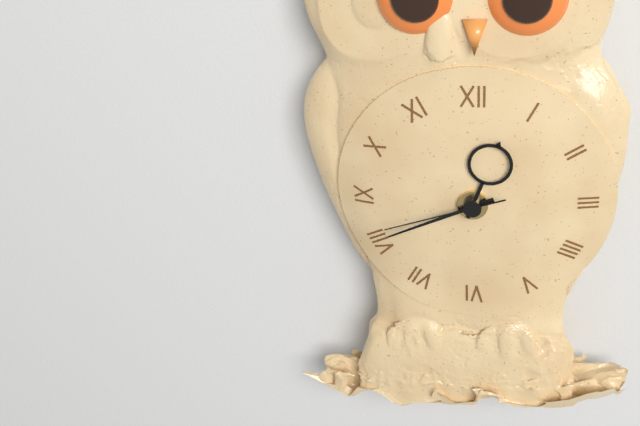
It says 12.41.42
